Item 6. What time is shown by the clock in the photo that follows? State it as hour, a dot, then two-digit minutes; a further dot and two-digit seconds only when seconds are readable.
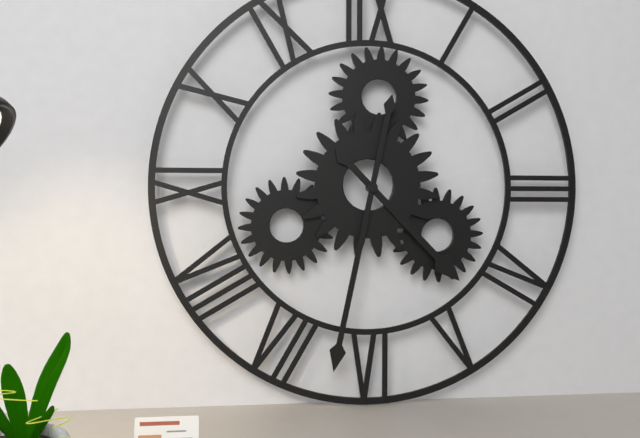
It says 4.32
